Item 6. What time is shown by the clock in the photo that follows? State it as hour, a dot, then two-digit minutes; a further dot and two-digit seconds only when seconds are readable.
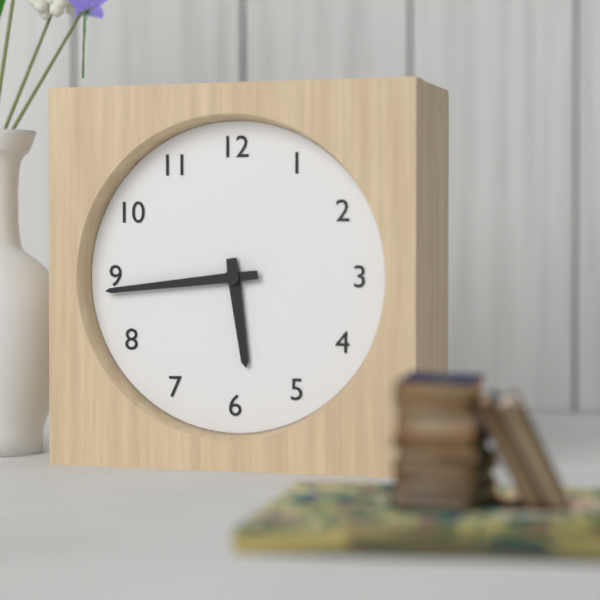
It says 5.44
